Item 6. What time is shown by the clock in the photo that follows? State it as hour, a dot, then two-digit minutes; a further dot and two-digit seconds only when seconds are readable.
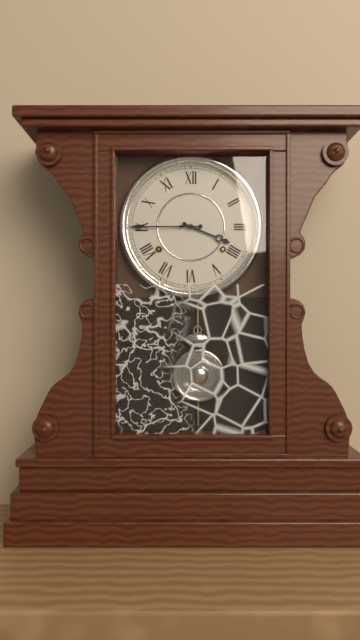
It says 3.45
